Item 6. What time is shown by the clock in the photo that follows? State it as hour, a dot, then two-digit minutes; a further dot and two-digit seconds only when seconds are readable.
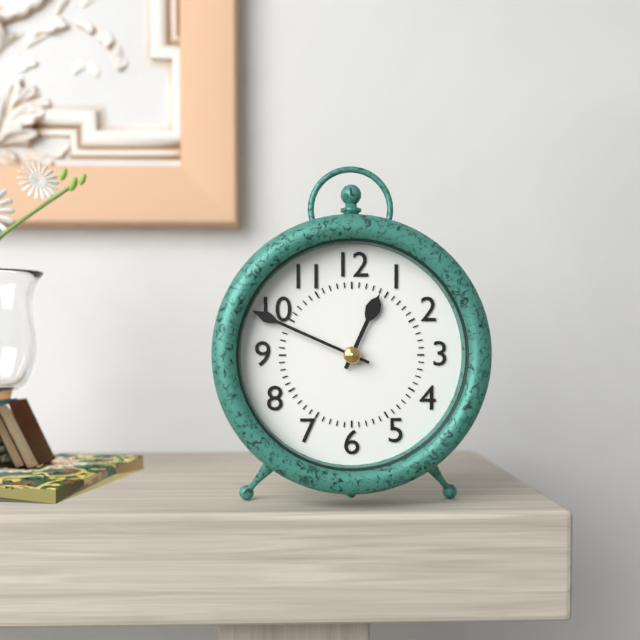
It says 12.49
